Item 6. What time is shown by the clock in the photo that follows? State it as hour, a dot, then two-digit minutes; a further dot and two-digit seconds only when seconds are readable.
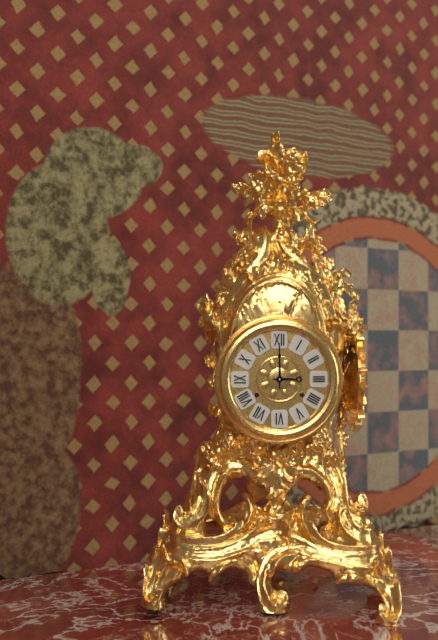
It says 3.00
